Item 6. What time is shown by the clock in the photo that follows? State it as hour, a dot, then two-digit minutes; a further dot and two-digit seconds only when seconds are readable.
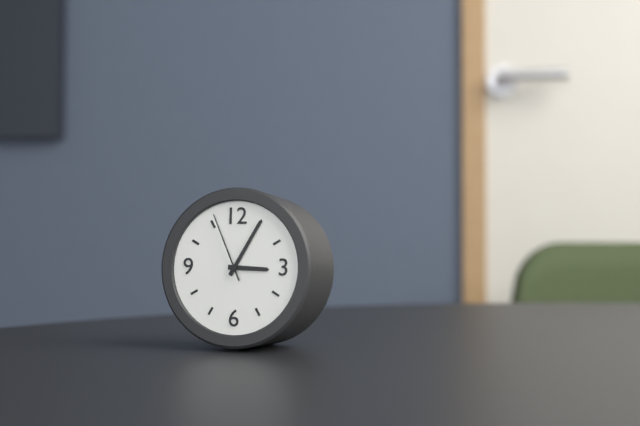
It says 3.05.56
